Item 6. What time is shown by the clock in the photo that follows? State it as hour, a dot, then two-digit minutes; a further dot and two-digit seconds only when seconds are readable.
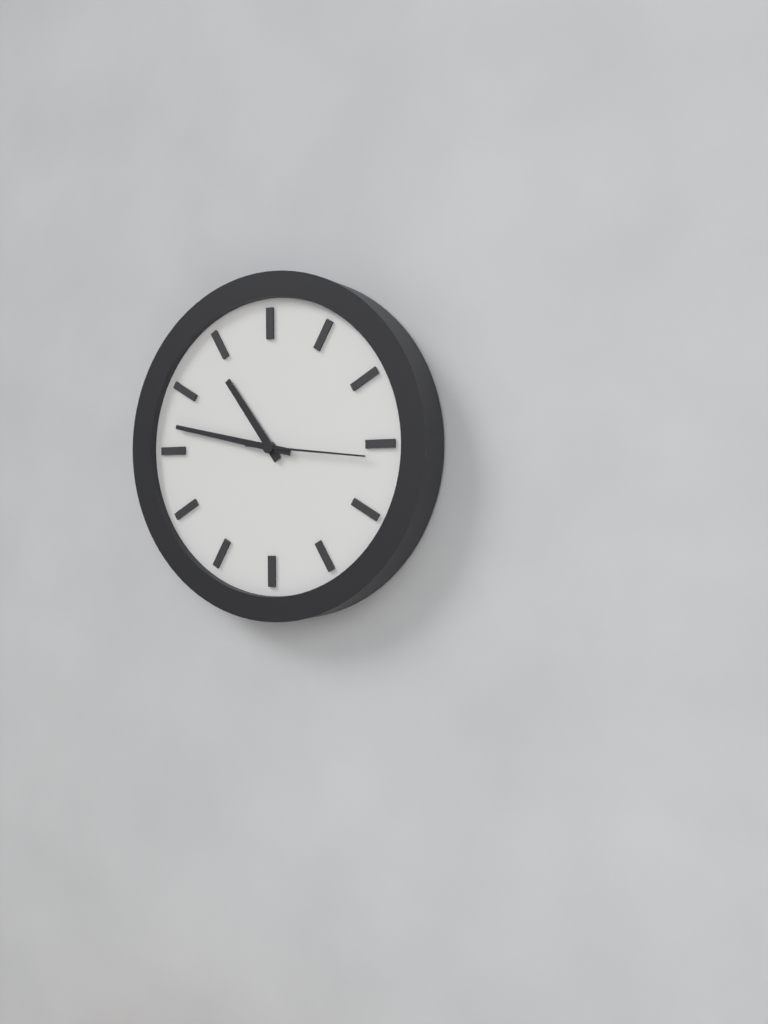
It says 10.47.16
